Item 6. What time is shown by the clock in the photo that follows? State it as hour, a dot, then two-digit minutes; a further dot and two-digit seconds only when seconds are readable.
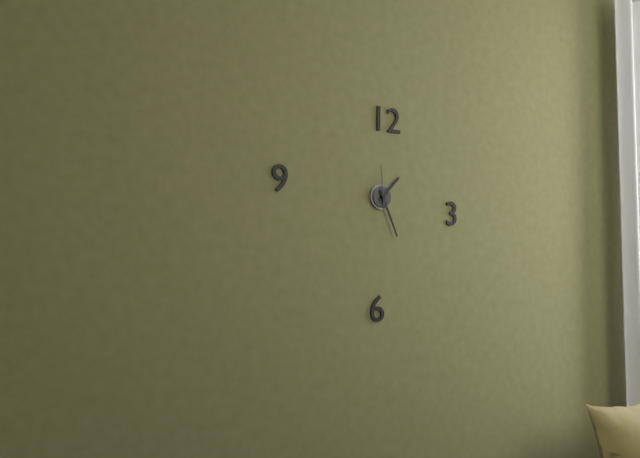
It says 1.26
